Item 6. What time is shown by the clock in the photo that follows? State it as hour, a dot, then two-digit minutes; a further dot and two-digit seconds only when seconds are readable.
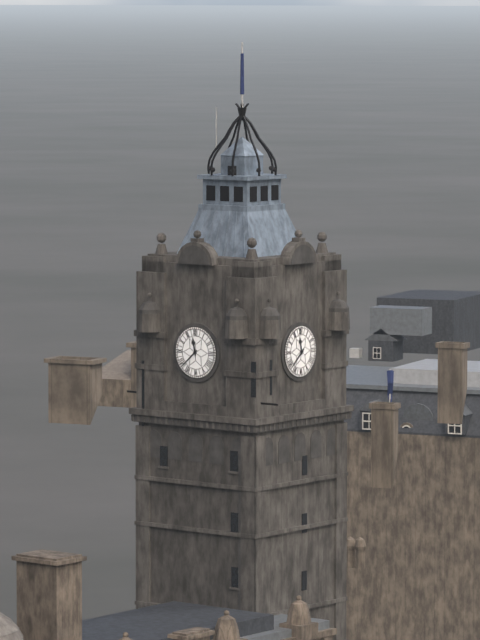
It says 11.38
